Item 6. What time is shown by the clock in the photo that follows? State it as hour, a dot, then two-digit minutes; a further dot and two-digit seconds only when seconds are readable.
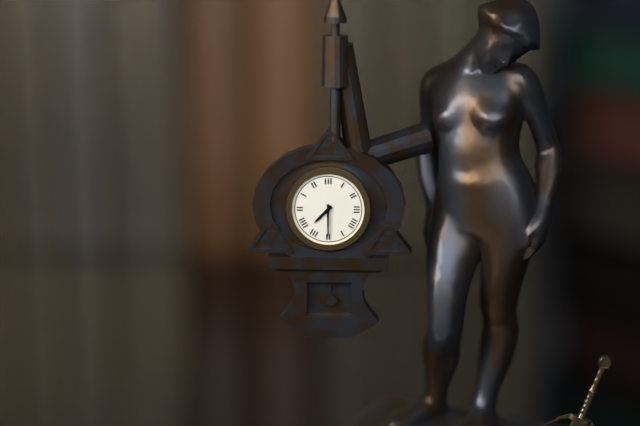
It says 7.30
